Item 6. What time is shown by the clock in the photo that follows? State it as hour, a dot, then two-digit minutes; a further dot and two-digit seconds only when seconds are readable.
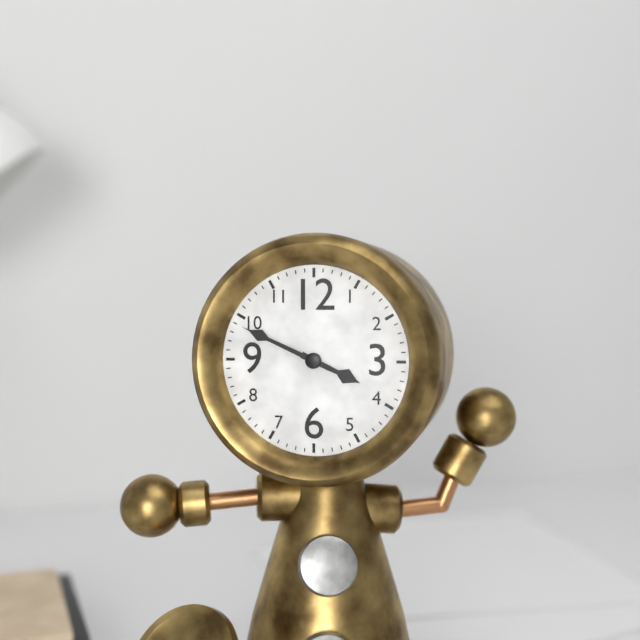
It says 3.49
